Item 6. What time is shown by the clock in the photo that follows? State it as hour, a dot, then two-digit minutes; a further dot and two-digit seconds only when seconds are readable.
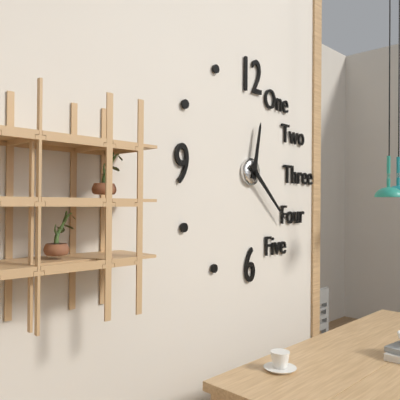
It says 12.22
